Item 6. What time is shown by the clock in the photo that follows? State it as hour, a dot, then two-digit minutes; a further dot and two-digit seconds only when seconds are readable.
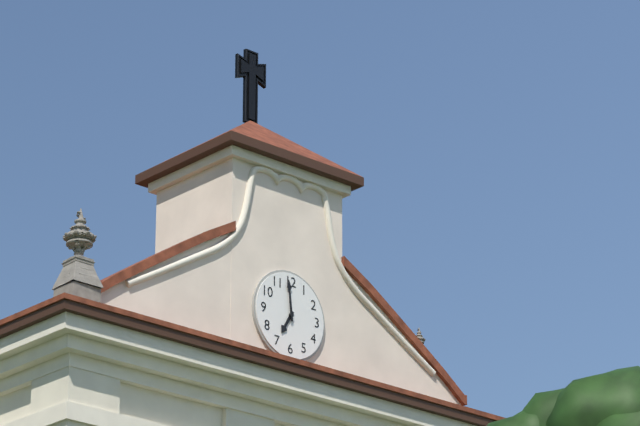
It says 6.59
